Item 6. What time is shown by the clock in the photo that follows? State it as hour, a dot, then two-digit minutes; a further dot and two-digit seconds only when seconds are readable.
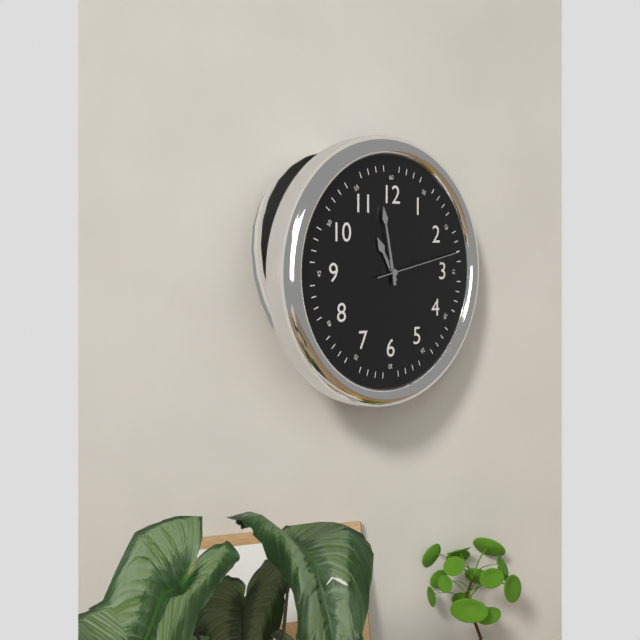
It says 10.58.13
